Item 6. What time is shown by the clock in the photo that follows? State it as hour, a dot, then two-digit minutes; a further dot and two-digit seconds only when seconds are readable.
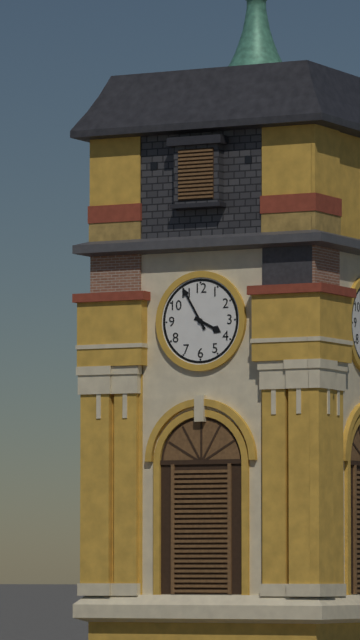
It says 3.55
